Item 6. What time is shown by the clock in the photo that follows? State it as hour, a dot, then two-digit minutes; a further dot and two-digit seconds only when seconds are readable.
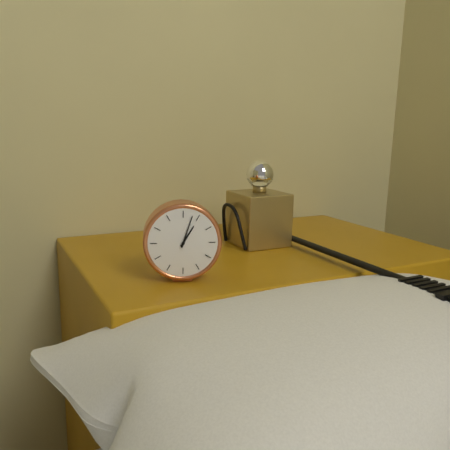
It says 1.03
